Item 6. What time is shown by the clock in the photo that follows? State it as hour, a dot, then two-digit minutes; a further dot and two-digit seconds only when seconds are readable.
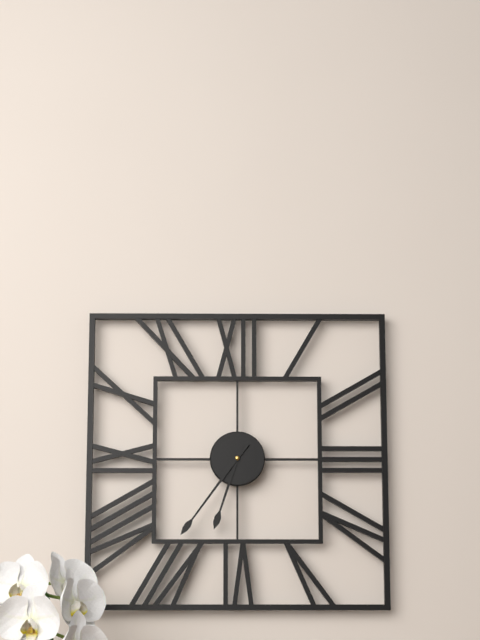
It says 6.36
